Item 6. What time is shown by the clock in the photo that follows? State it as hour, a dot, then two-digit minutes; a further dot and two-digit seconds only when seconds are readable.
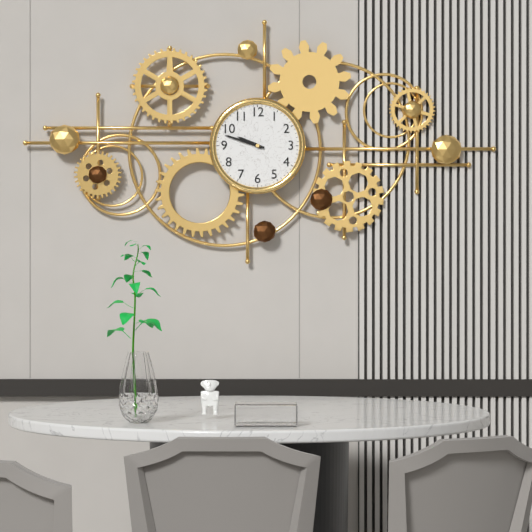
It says 9.48
